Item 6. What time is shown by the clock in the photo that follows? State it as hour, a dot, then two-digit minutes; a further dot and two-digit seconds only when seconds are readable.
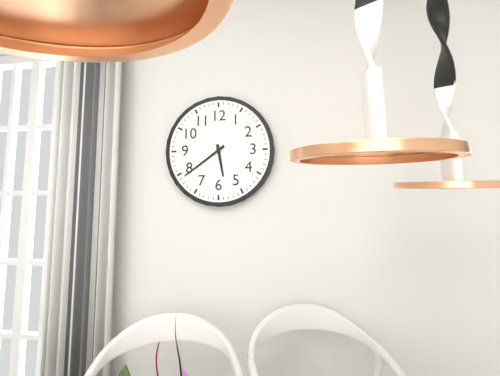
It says 5.39
